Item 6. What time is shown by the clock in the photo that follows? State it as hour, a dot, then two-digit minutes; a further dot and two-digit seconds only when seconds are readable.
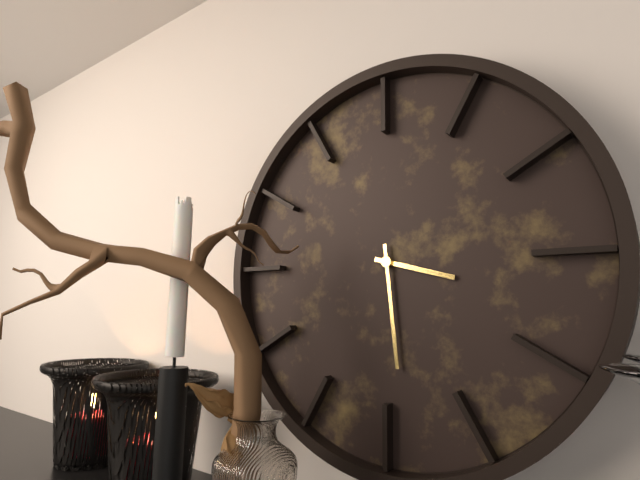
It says 3.29
